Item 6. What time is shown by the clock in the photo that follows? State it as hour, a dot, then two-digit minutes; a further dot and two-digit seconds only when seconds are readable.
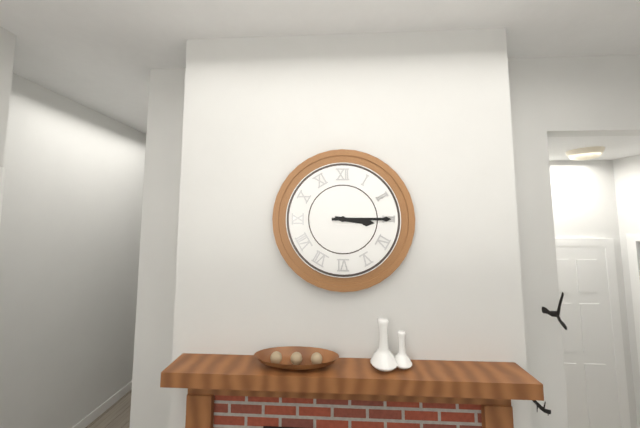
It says 3.15
